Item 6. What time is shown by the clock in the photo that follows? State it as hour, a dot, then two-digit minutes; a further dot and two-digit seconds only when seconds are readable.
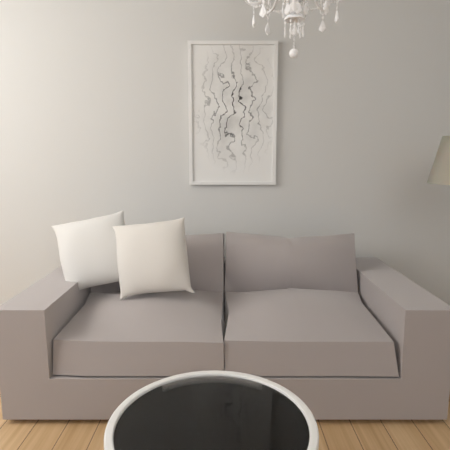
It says 9.19
